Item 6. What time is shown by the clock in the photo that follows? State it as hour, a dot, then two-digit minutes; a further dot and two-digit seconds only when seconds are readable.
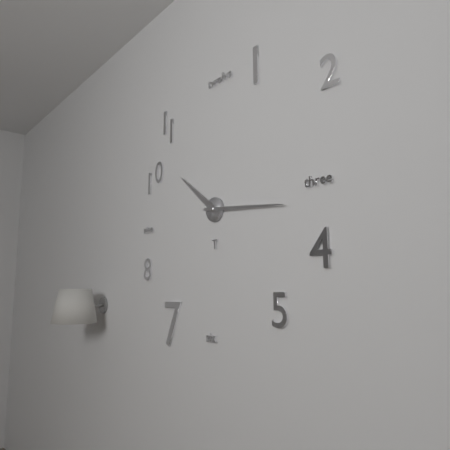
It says 10.16
